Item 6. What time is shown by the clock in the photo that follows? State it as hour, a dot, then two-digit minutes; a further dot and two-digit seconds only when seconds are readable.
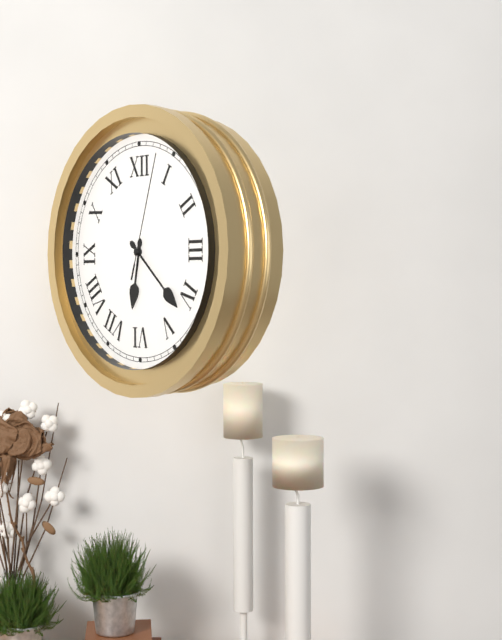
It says 6.22.03
